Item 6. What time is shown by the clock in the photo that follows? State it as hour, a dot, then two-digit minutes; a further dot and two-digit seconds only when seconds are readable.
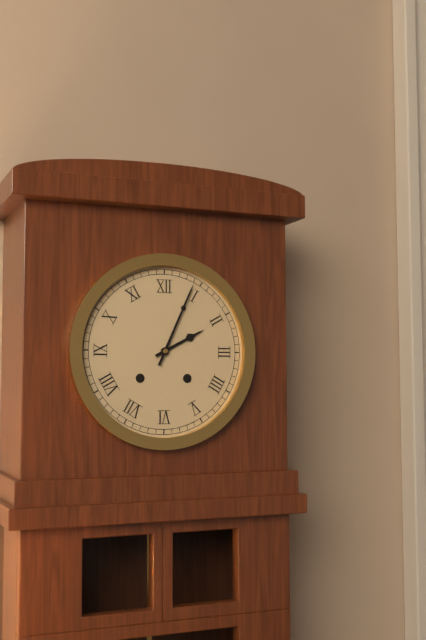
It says 2.04
